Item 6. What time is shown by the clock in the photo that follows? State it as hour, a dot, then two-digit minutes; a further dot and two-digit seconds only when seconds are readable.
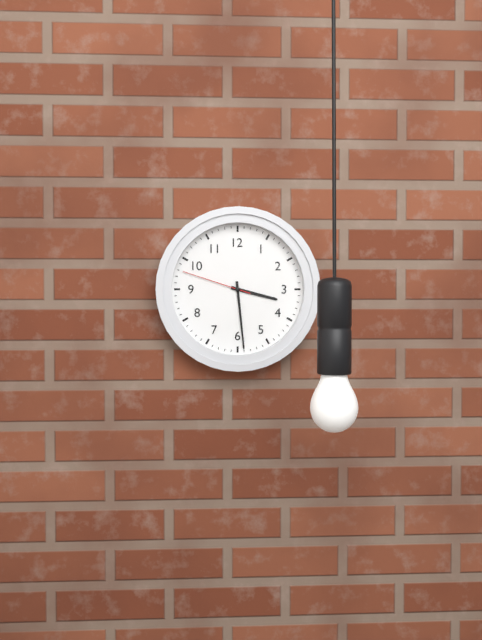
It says 3.29.48
